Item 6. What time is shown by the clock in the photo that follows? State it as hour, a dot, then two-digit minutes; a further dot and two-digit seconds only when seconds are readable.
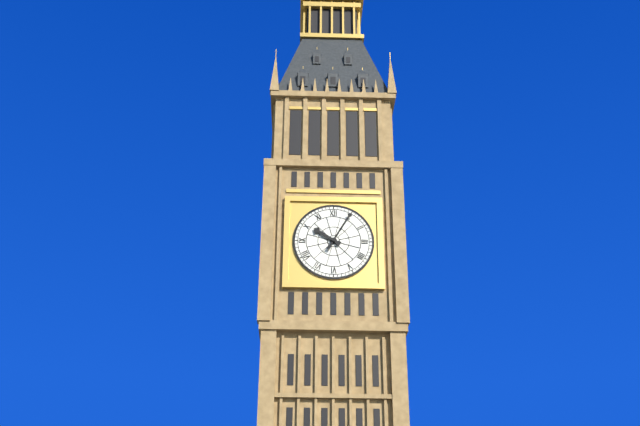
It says 10.05
